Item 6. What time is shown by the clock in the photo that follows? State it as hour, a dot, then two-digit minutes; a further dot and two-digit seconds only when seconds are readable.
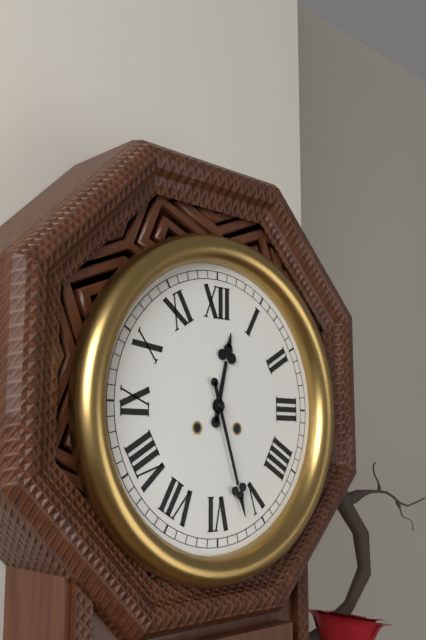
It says 12.27
